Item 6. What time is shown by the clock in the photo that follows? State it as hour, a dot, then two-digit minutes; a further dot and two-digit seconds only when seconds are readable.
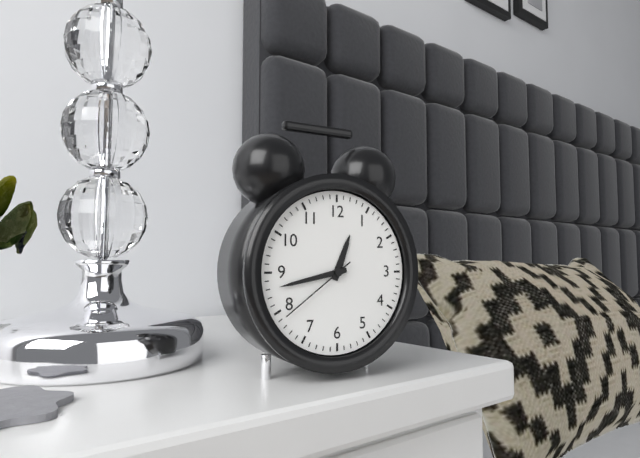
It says 12.43.39
